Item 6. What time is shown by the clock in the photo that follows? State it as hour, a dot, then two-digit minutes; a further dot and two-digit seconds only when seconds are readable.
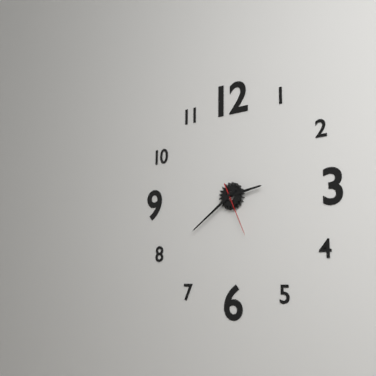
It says 2.39.26
